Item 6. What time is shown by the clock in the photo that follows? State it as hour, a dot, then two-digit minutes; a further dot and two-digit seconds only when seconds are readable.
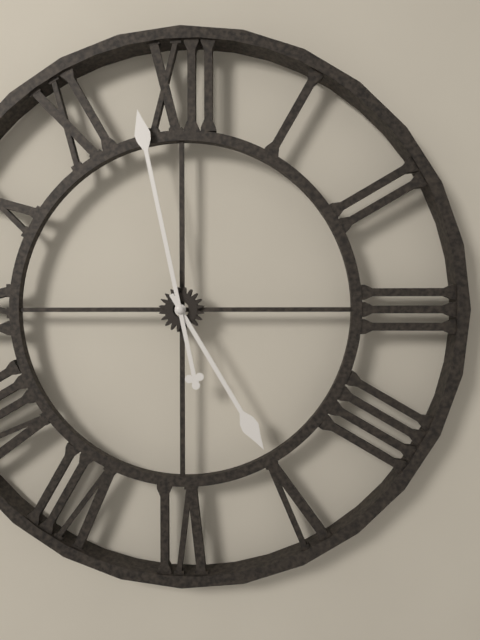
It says 4.58
